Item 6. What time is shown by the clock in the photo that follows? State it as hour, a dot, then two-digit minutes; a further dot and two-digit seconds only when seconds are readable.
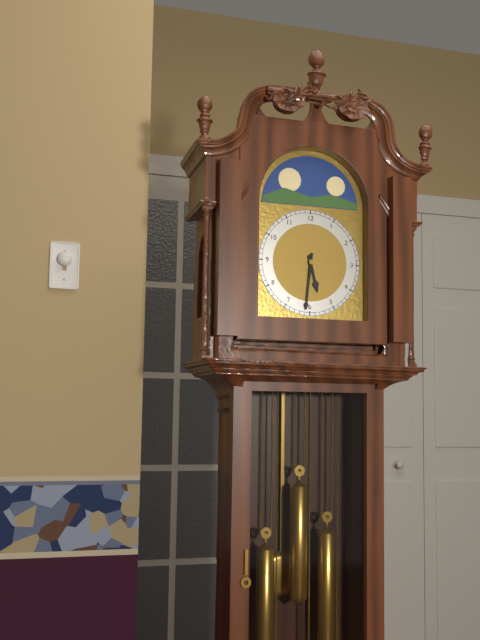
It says 5.31
